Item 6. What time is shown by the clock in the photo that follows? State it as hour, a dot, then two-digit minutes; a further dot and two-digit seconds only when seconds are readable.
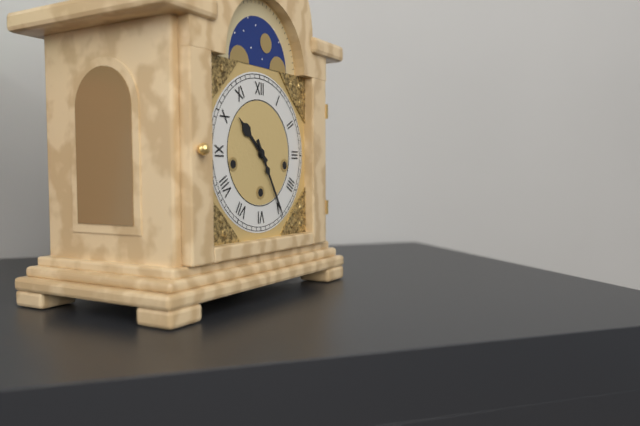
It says 10.25
